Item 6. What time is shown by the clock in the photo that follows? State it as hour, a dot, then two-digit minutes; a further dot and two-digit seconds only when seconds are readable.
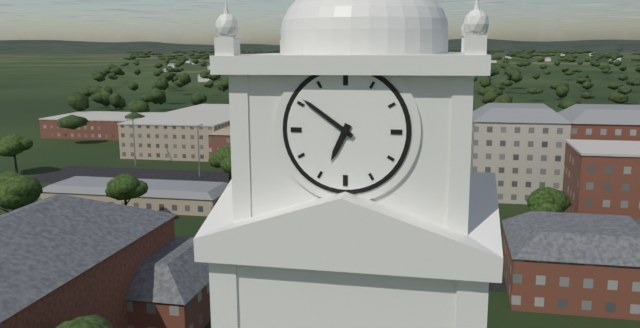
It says 6.51
